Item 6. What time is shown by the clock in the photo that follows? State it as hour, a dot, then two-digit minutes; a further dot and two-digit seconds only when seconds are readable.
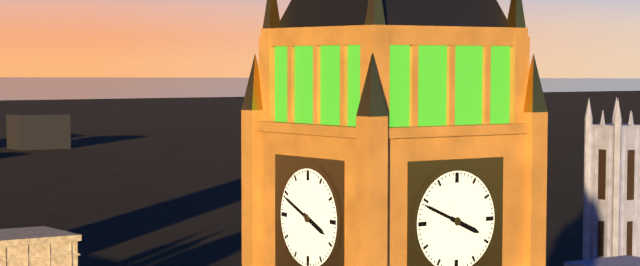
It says 3.49
